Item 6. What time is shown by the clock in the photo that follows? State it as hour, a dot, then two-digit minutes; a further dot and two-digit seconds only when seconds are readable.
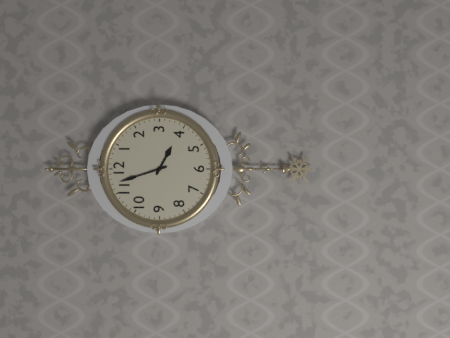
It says 3.57
